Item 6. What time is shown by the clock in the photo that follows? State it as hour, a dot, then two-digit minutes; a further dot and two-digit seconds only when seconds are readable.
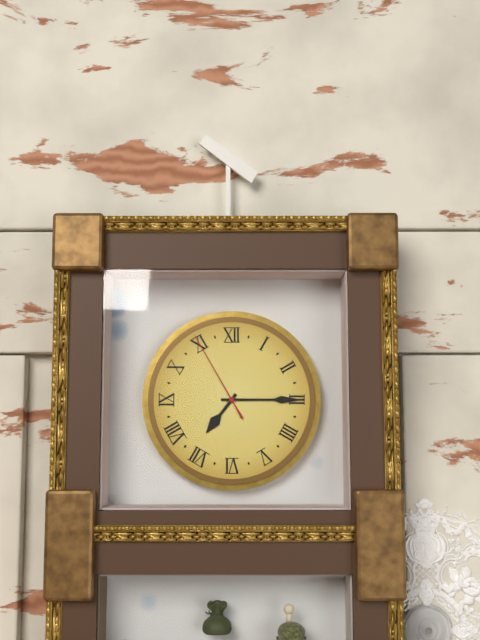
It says 7.15.55
